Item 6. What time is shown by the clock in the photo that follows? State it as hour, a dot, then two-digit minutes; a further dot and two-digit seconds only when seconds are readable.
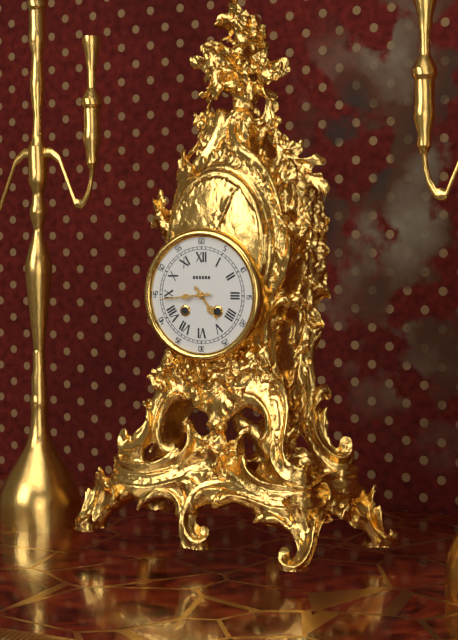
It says 4.44
